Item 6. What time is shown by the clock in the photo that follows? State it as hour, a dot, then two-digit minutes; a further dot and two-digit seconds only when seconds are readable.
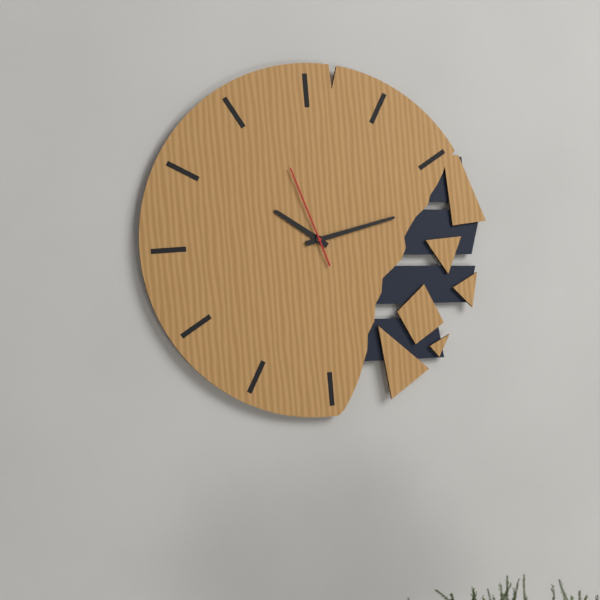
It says 10.13.57
